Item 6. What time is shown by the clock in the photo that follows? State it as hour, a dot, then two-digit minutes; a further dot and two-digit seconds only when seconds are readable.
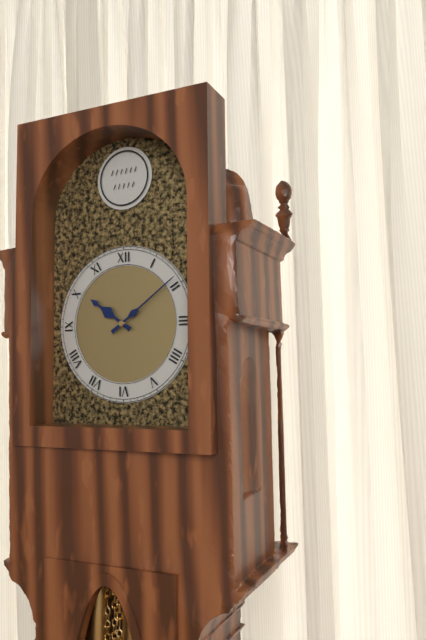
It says 10.09
